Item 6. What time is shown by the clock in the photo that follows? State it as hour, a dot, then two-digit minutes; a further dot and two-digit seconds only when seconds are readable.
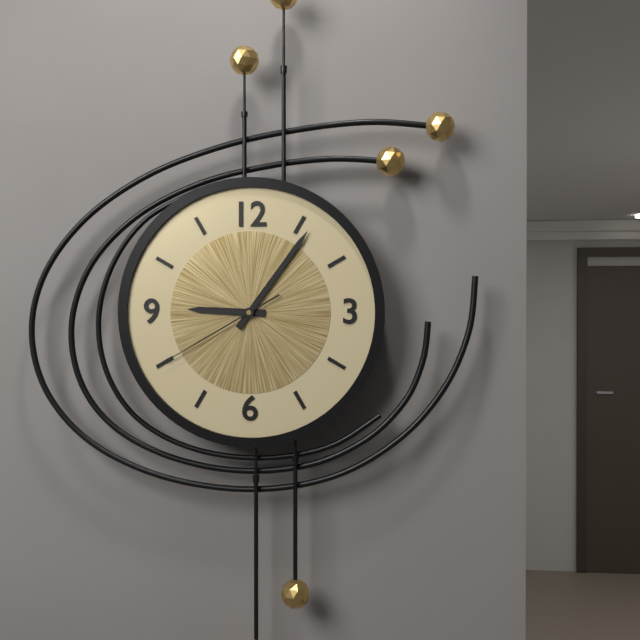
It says 9.06.40
